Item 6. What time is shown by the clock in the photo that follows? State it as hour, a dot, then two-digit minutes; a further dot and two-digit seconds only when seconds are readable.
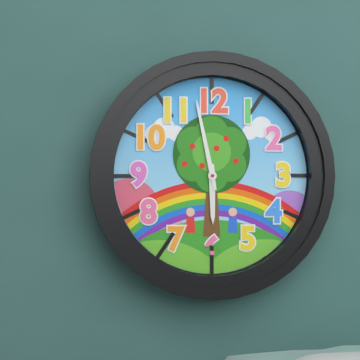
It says 5.58
